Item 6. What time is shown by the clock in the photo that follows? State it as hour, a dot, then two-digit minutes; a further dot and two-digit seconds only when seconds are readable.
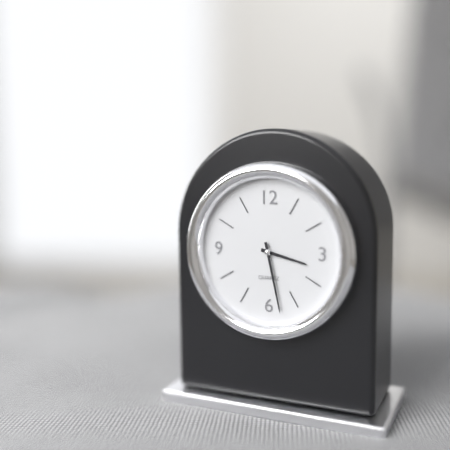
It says 3.28
